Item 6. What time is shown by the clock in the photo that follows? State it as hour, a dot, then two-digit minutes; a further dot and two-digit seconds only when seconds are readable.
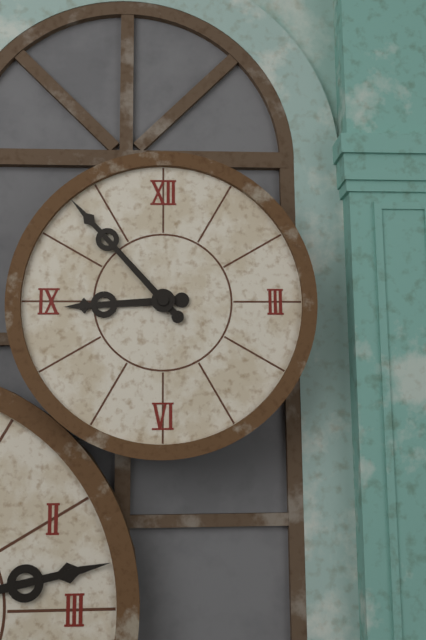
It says 8.53
